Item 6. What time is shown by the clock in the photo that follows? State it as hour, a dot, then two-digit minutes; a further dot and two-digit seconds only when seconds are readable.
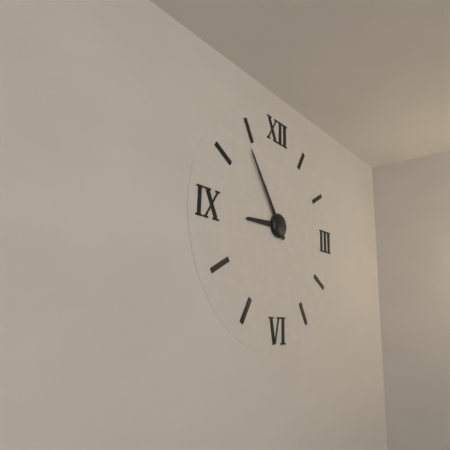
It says 8.54
